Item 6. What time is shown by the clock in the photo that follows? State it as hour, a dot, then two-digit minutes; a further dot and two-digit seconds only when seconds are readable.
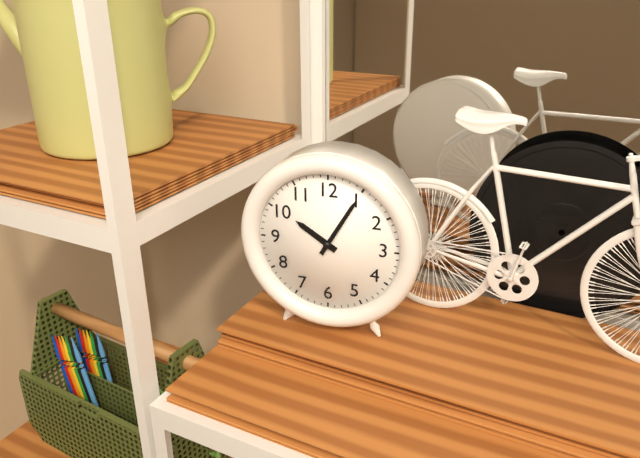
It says 10.05
